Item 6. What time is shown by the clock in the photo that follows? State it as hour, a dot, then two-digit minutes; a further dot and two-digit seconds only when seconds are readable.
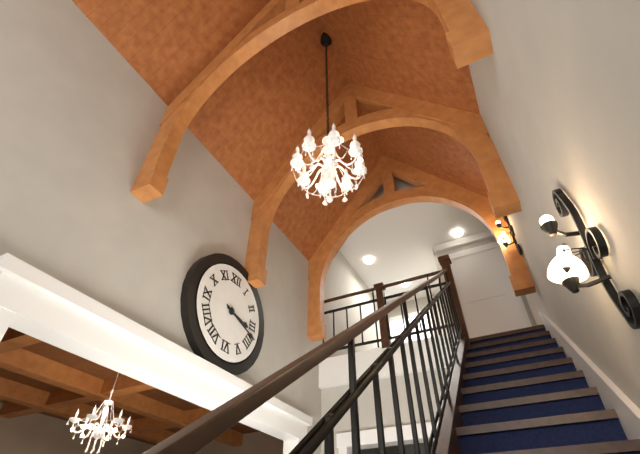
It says 3.18
